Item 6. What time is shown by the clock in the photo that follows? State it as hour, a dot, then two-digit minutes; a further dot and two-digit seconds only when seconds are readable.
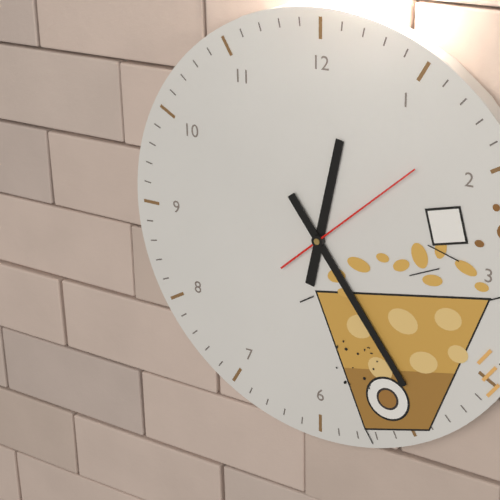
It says 12.24.08
